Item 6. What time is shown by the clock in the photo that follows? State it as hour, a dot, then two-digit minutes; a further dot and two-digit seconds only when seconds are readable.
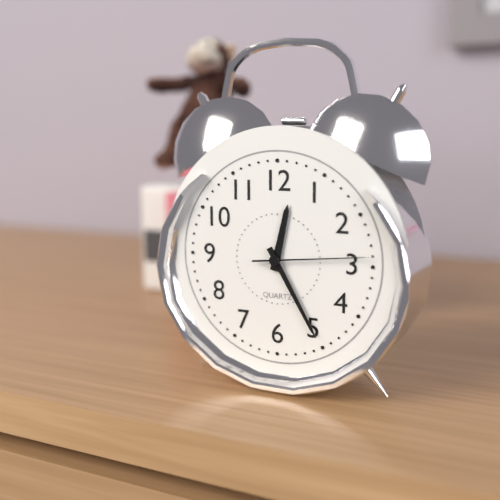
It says 12.25.14
